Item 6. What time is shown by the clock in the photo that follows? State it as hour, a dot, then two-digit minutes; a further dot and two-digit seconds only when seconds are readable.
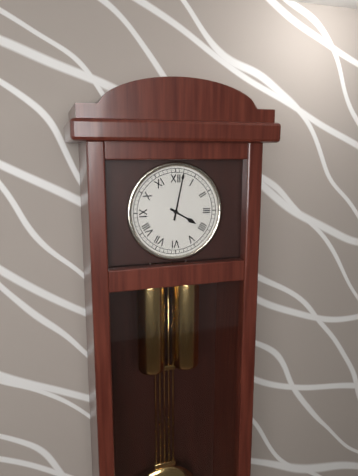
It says 4.02
